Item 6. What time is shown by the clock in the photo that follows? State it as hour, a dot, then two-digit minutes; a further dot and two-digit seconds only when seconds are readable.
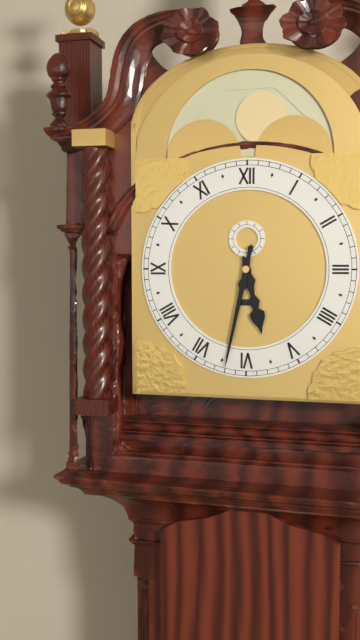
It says 5.32
